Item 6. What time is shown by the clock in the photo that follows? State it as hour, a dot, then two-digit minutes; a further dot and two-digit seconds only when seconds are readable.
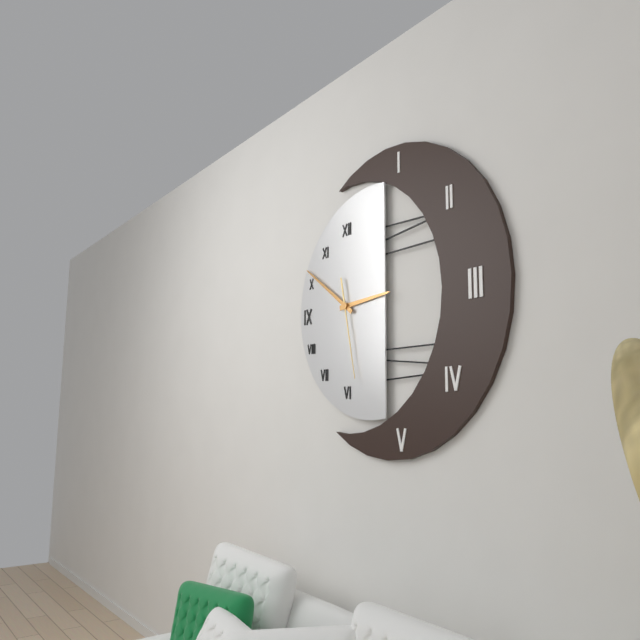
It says 2.51.28
